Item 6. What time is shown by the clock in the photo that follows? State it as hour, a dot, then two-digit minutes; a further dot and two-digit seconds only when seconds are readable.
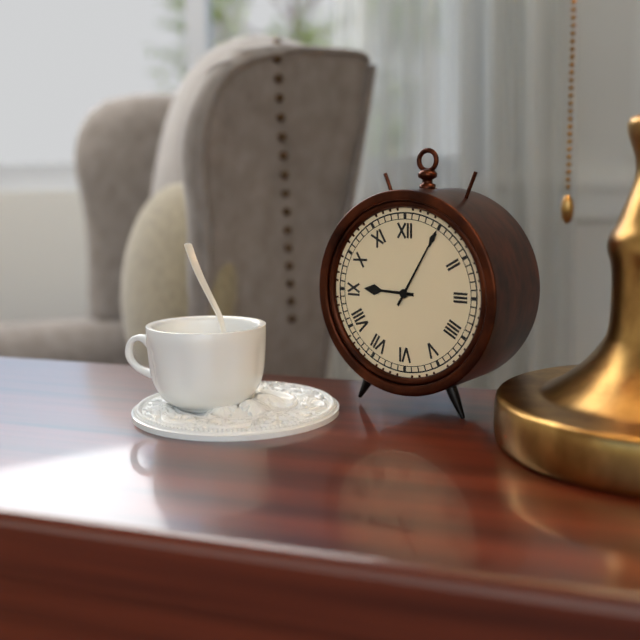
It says 9.05
